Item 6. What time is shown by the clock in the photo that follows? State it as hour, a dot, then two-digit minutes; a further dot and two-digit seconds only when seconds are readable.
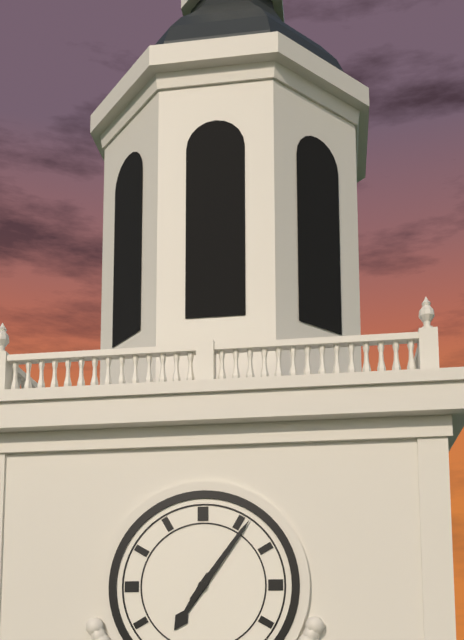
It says 7.06
